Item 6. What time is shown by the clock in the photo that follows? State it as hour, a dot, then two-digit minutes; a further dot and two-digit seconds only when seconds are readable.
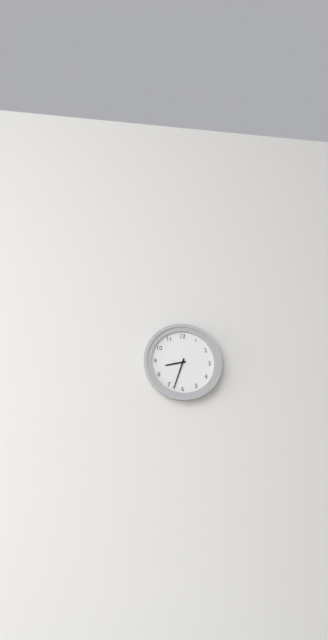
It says 8.33
